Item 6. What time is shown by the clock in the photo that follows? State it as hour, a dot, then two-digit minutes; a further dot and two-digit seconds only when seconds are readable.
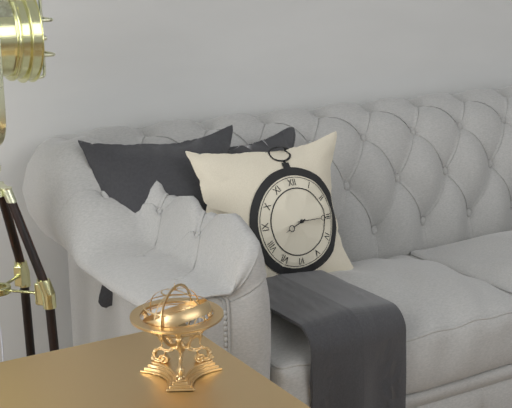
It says 8.15
